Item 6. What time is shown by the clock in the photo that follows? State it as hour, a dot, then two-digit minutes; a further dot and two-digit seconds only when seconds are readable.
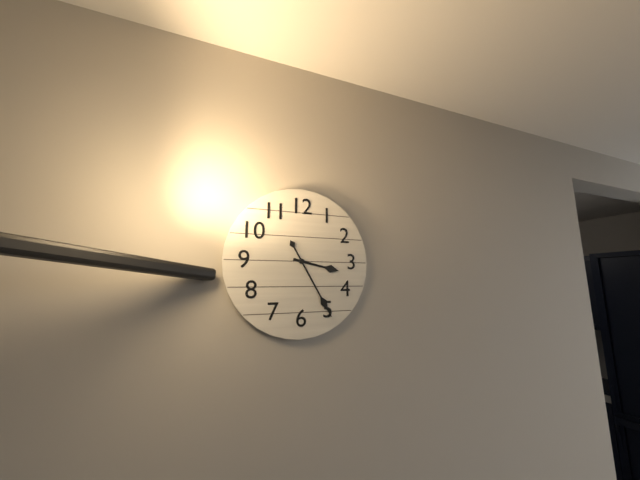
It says 3.25
